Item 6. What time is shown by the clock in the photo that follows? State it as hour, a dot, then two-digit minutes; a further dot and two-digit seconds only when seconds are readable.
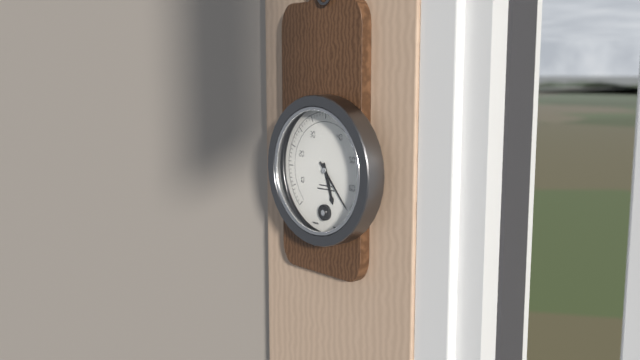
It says 5.23
